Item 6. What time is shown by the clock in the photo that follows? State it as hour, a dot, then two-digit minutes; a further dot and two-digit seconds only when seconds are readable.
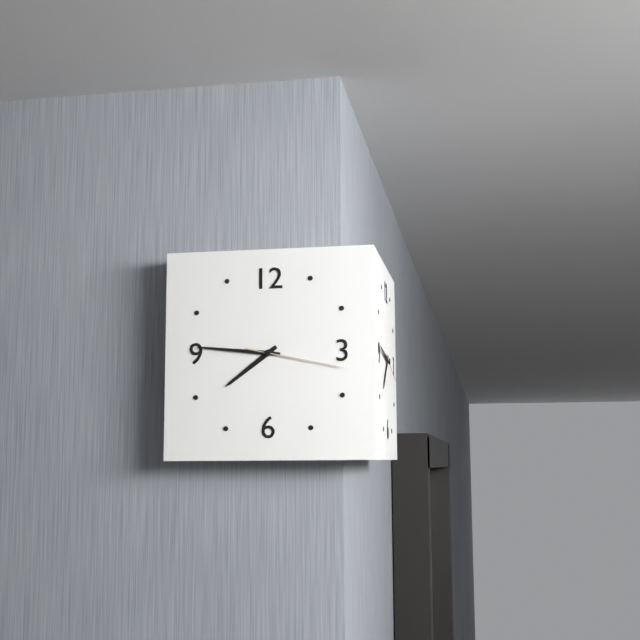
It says 7.46.17
